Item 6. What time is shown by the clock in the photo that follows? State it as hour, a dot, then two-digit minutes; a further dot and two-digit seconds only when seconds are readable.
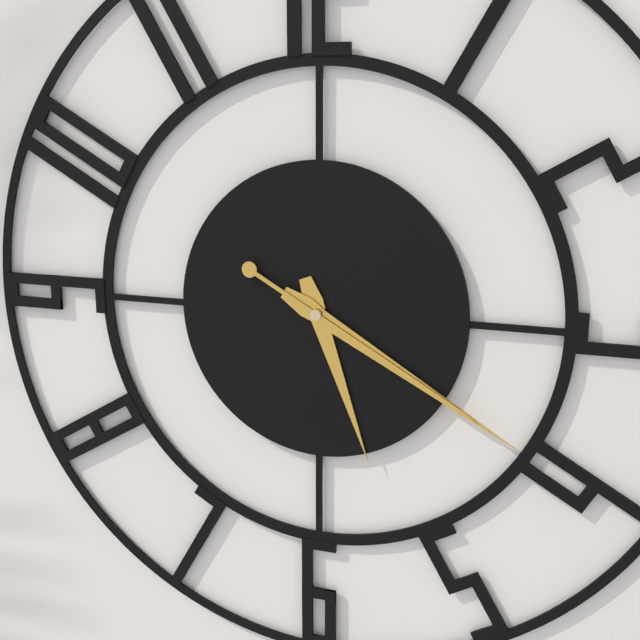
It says 5.20.20
